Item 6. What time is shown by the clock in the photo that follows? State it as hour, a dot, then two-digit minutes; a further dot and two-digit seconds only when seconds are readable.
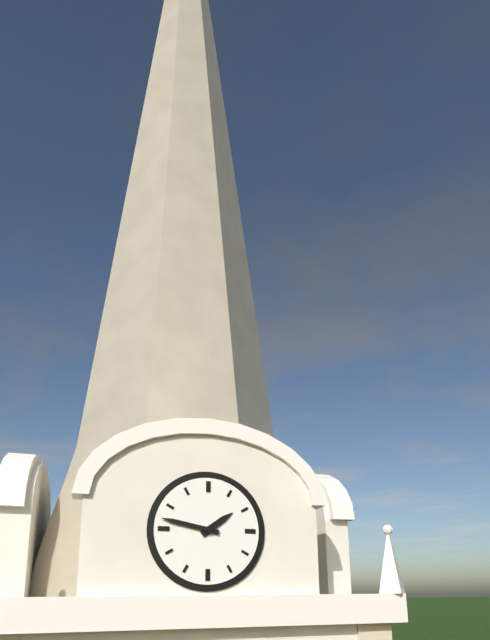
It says 1.47
